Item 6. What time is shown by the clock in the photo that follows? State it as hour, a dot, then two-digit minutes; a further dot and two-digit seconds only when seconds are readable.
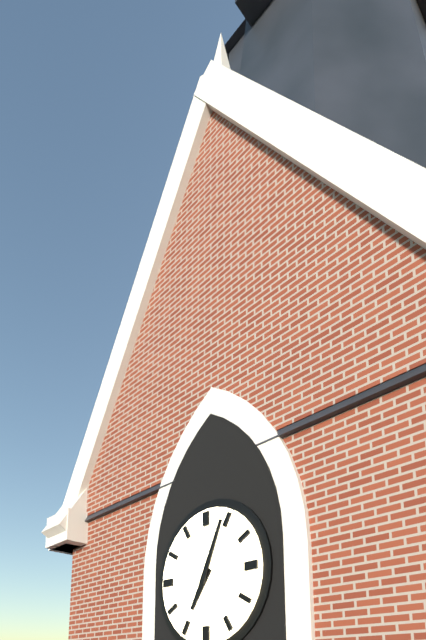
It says 7.04
